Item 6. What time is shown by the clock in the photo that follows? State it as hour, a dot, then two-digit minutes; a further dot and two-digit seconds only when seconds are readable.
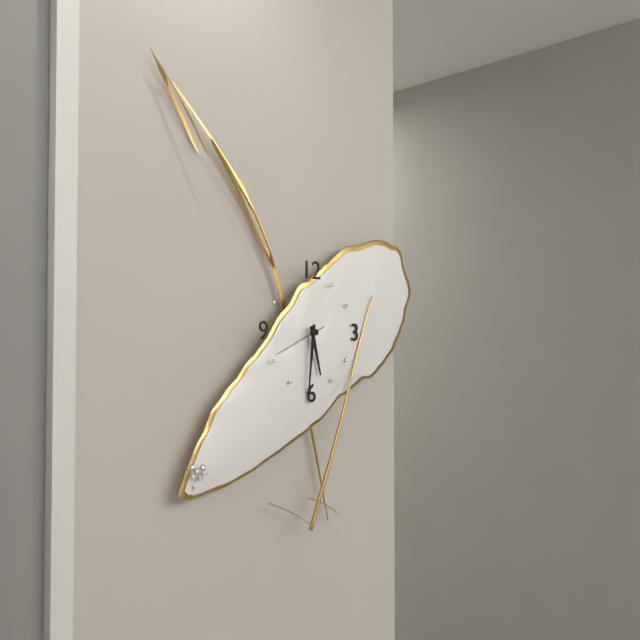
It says 5.31.41
